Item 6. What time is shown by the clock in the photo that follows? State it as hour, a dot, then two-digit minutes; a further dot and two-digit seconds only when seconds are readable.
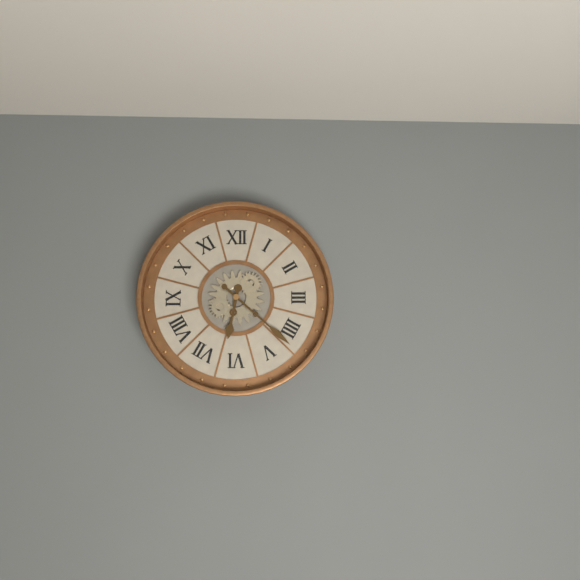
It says 6.22
